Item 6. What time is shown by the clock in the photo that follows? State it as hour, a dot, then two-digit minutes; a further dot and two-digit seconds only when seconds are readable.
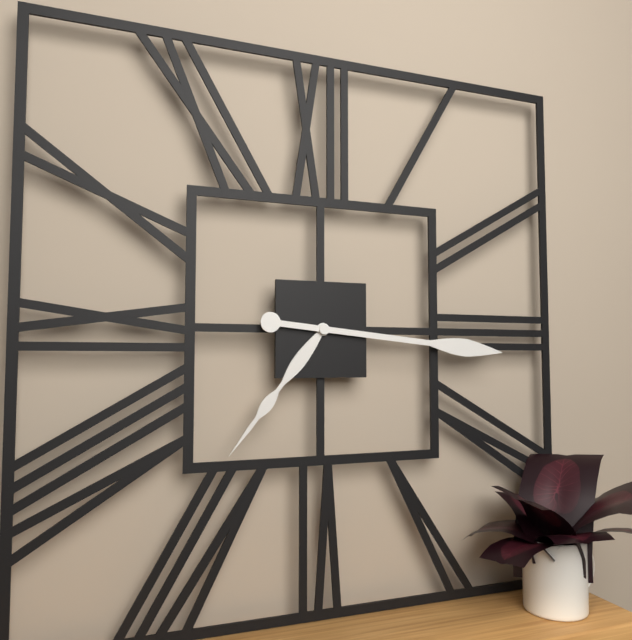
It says 7.16
